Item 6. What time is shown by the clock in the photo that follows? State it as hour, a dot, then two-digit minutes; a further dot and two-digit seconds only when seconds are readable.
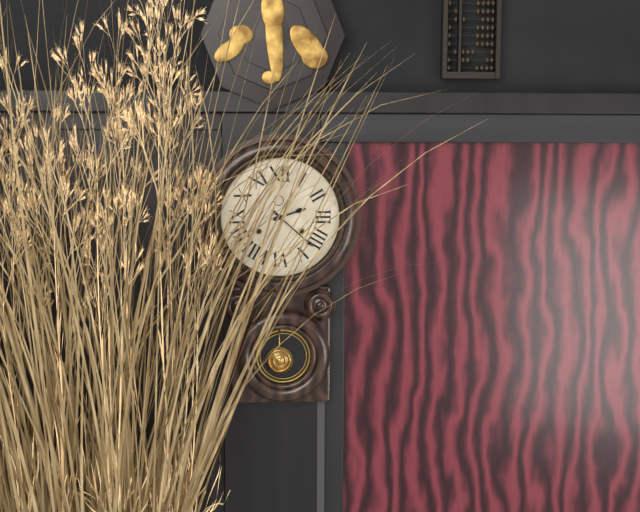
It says 2.22
